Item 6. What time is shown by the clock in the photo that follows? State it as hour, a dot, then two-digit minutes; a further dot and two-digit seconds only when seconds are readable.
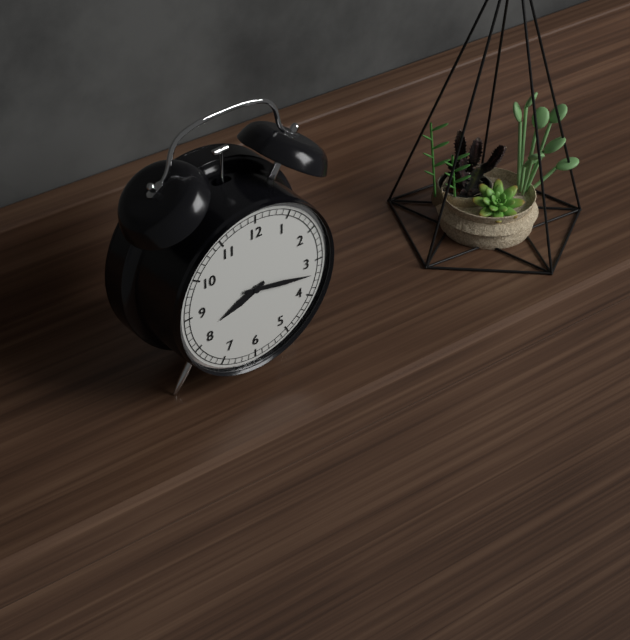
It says 8.17
